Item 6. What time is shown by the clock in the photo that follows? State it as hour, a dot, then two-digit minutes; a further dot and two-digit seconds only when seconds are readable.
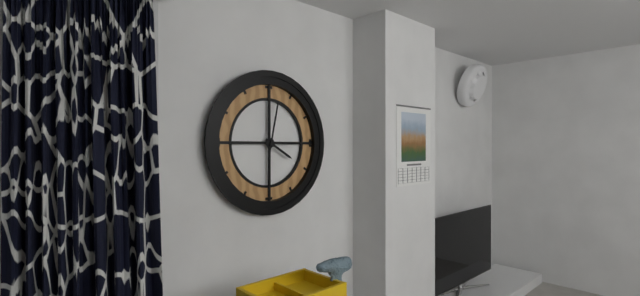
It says 4.02
